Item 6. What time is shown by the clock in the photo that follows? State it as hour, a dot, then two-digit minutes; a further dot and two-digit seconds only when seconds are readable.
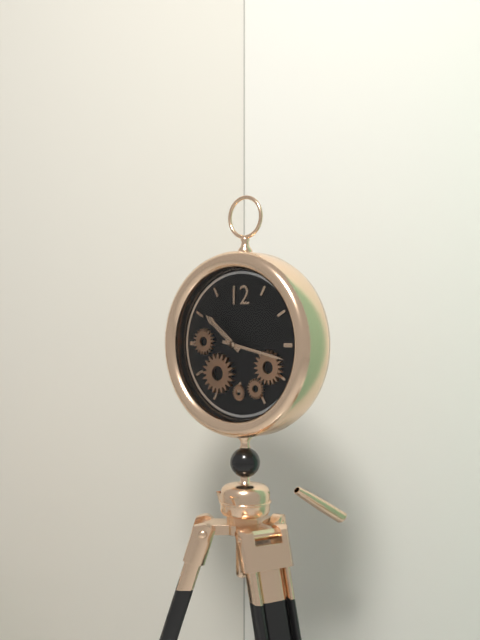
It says 10.17
